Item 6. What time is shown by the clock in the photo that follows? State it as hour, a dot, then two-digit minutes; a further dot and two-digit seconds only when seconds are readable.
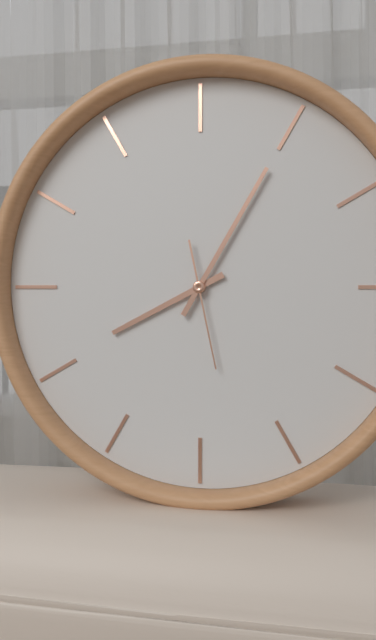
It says 8.05.28
